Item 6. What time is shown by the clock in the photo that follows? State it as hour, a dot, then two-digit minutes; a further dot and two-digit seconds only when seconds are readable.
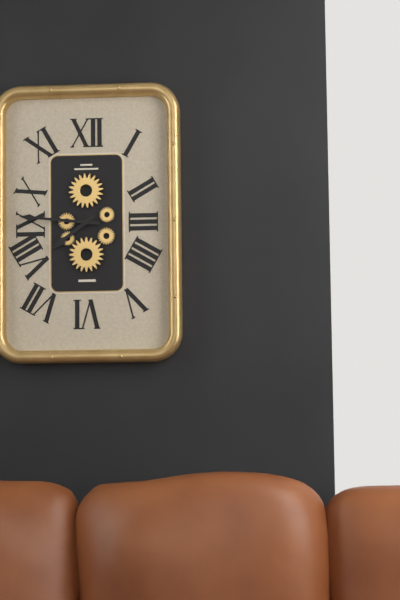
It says 7.46
